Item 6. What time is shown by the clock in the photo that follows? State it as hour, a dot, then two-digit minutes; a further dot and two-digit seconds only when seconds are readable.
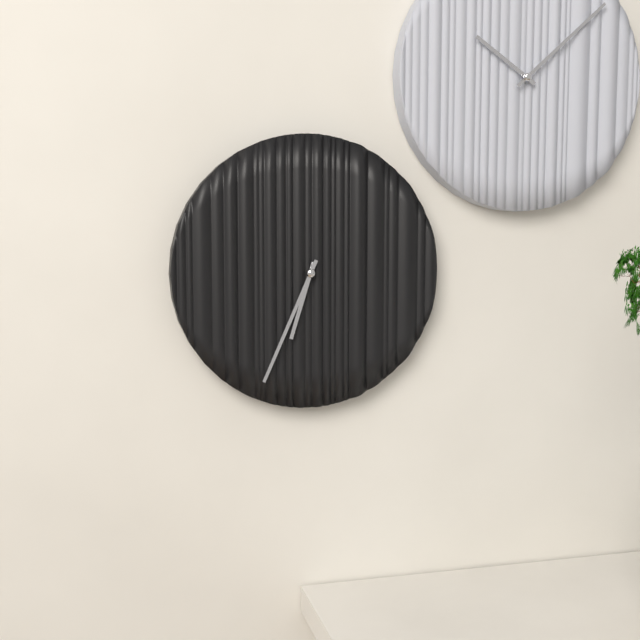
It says 6.34
